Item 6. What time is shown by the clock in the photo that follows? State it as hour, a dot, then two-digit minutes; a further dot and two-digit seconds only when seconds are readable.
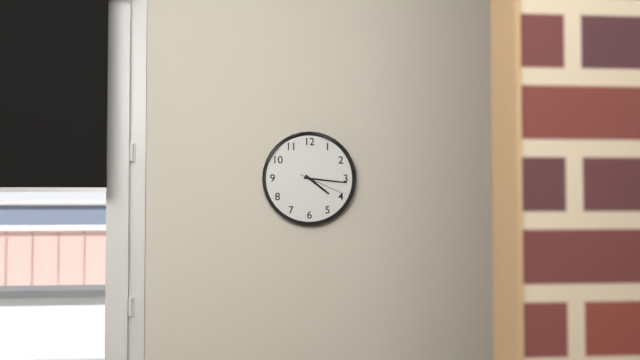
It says 4.16
